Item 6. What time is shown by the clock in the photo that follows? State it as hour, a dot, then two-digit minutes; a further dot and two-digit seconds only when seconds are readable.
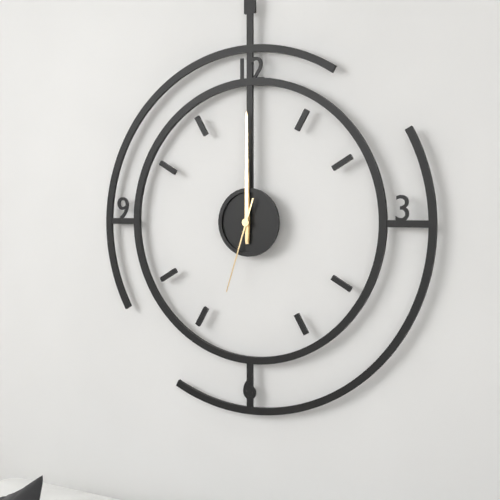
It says 12.00.33
